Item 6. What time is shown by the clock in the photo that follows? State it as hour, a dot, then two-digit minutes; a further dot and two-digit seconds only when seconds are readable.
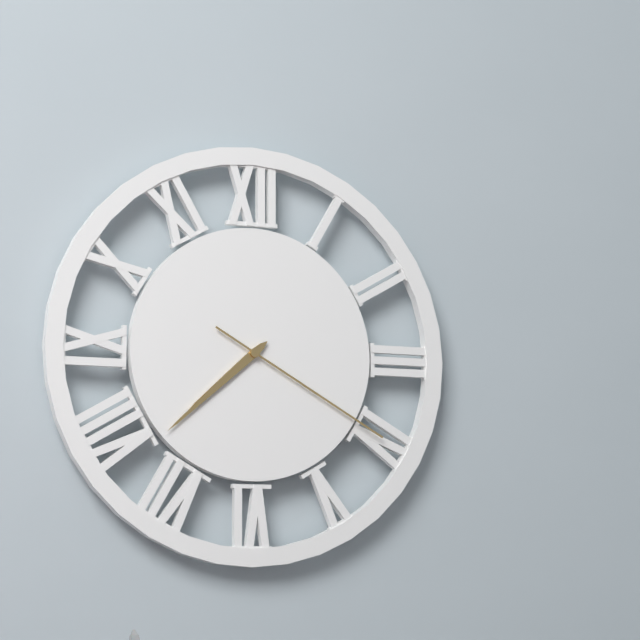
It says 7.38.20
